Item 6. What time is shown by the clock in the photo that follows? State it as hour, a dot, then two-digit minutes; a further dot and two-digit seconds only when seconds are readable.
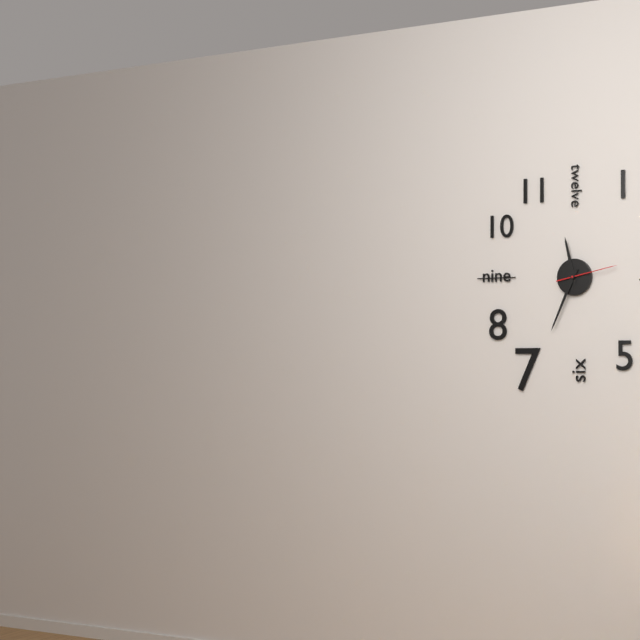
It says 11.34.13
